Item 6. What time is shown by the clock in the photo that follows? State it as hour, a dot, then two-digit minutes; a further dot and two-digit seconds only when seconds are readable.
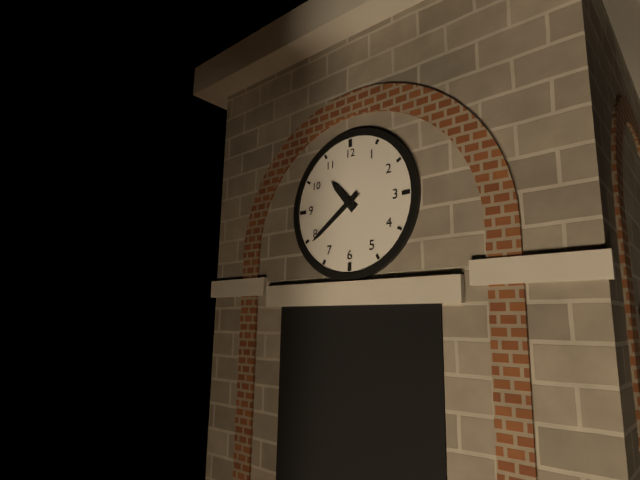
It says 10.39
